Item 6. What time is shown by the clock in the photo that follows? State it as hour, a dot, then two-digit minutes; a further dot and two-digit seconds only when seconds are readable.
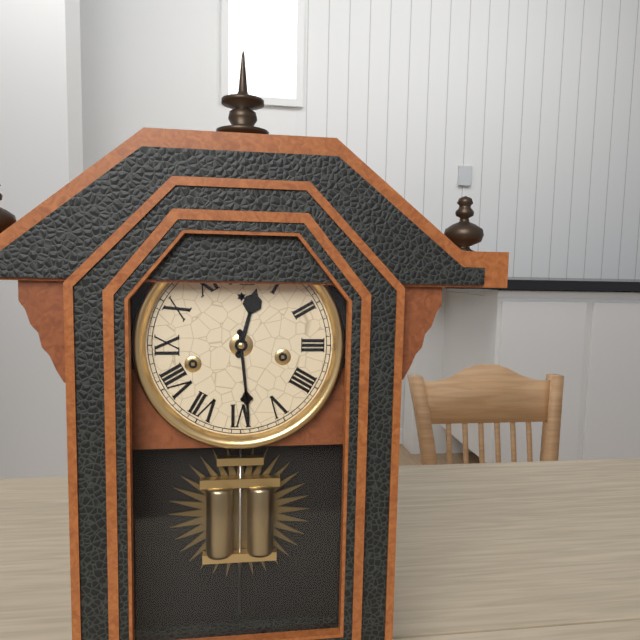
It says 12.29
